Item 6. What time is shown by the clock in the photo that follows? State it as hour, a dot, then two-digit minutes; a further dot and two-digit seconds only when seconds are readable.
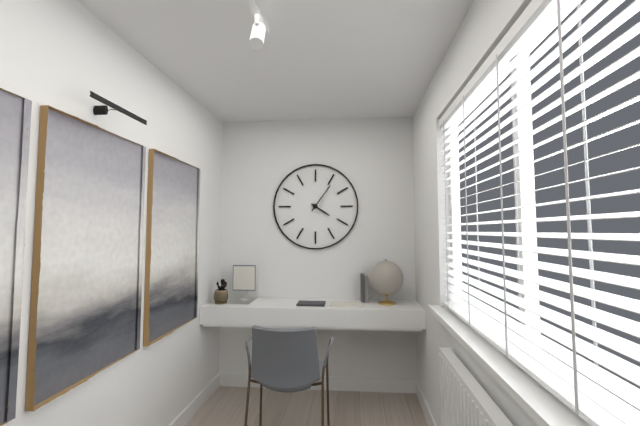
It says 4.06
